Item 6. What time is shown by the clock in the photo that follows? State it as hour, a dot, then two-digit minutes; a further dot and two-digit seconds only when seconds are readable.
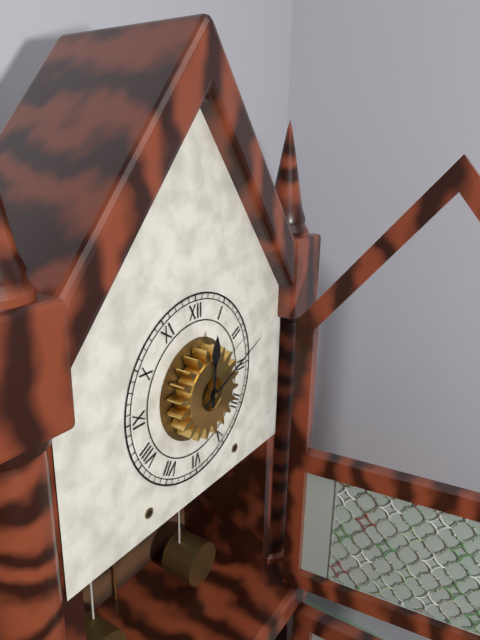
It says 12.11
